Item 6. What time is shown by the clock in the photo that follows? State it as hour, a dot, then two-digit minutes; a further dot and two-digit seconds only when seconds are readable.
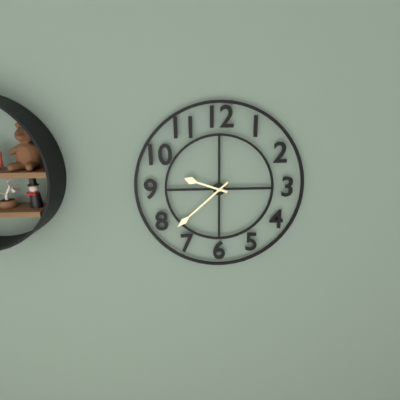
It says 9.38
